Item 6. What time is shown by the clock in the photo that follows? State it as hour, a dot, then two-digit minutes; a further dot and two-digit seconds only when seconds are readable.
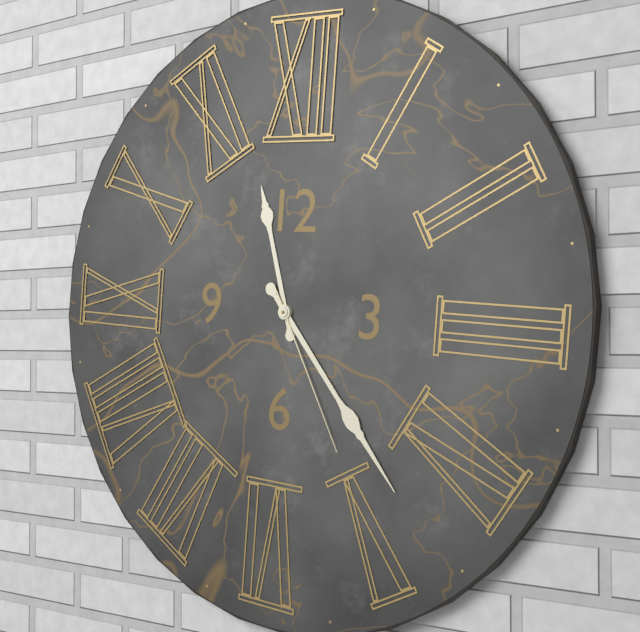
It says 11.23.25
